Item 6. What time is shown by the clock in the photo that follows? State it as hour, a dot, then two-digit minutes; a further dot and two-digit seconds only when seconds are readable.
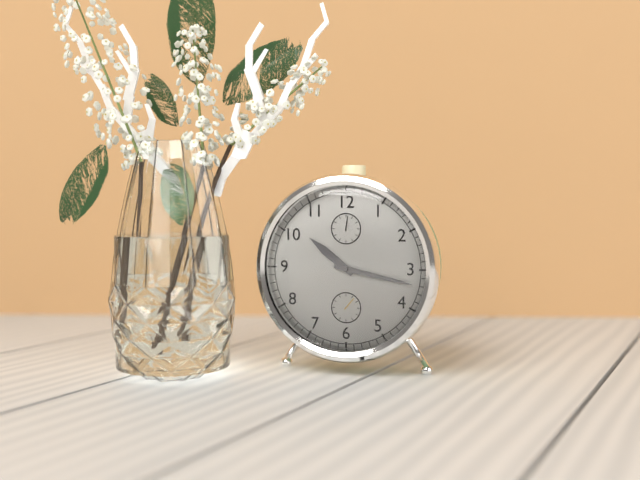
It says 10.17
